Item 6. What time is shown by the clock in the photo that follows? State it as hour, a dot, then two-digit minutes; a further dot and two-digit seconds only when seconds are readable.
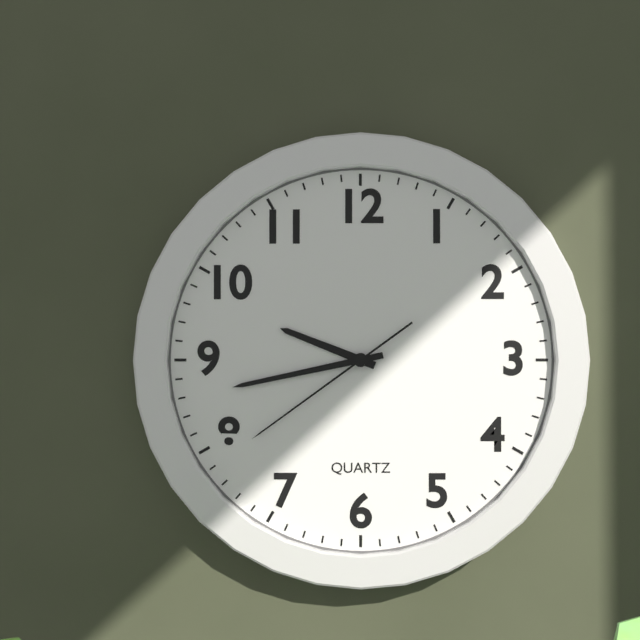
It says 9.43.39
